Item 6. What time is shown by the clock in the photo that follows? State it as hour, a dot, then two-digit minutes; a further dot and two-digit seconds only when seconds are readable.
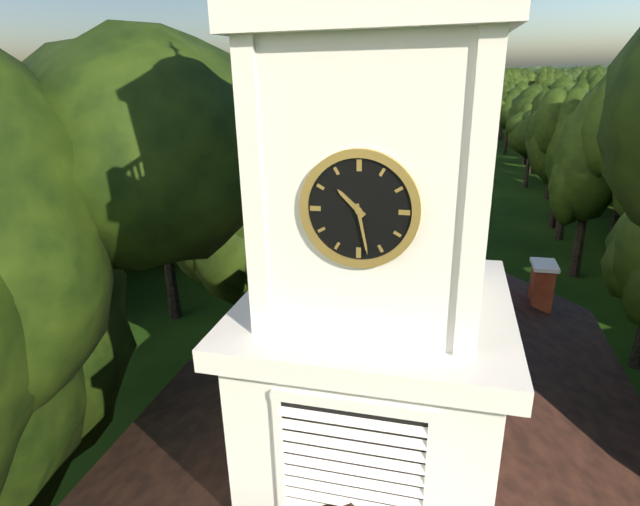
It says 10.28
